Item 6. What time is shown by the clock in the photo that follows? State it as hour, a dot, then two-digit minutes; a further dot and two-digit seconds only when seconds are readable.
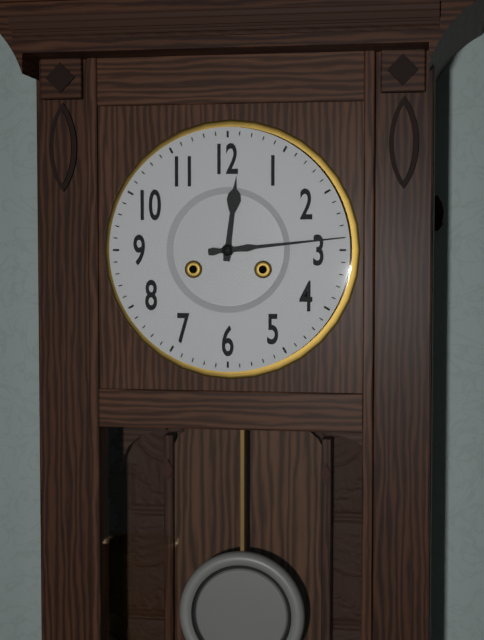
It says 12.14
